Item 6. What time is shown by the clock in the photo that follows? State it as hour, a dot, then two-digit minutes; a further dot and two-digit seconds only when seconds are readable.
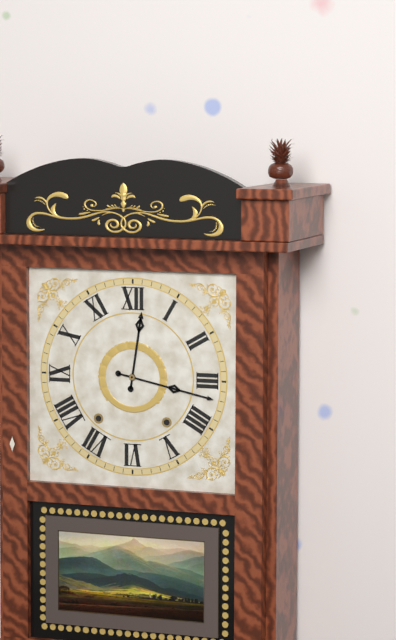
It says 12.17
